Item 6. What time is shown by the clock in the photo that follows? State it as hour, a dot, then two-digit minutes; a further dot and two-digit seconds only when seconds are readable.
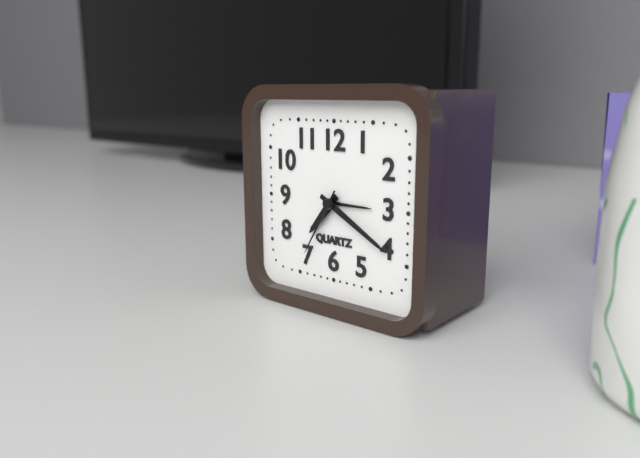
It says 7.20.35
